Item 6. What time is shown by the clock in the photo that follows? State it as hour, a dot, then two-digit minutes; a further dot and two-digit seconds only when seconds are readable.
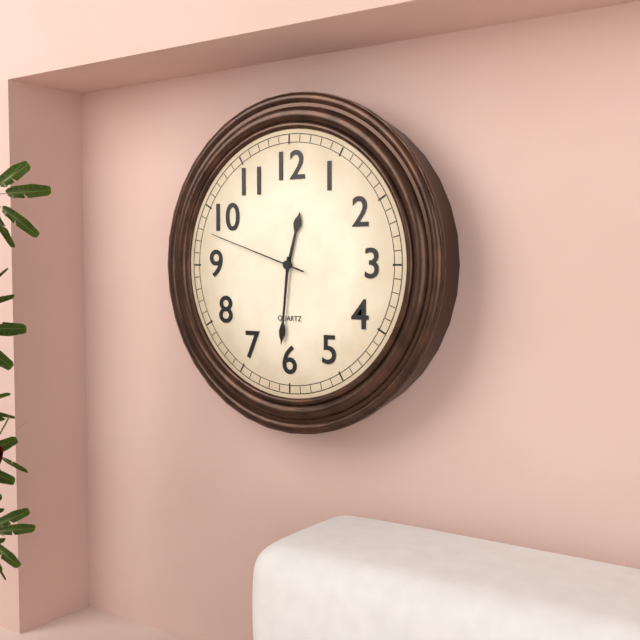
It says 12.31.48
